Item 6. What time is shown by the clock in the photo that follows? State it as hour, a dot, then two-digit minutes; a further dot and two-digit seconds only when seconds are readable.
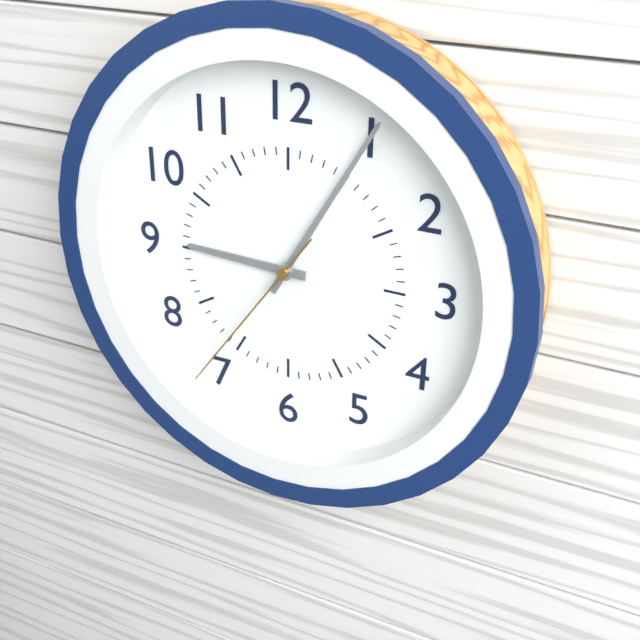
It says 9.05.36
